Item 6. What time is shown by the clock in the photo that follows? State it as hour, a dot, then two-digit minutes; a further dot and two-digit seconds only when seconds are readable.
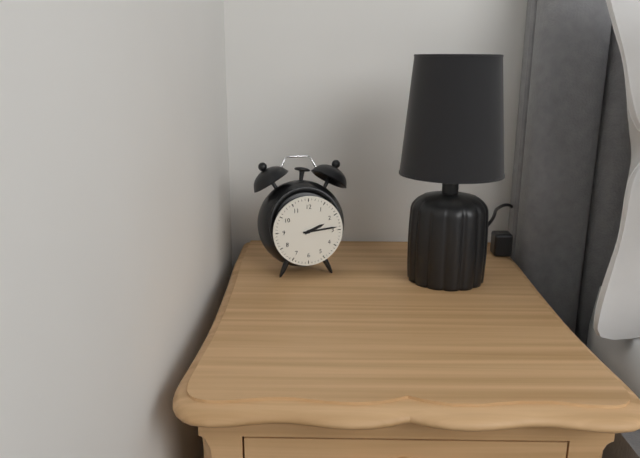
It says 2.14
